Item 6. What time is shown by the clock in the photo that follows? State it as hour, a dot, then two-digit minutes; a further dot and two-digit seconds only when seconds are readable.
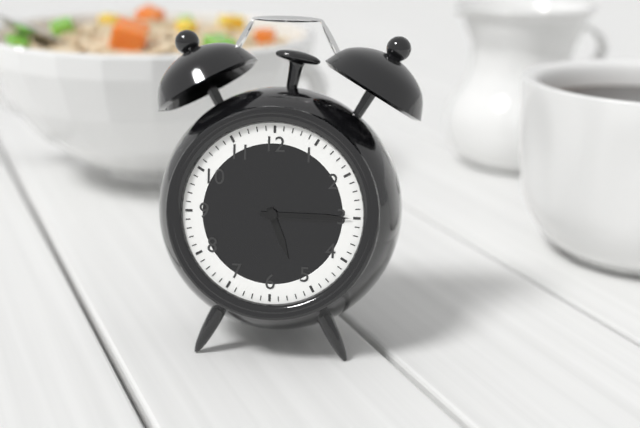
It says 5.15
